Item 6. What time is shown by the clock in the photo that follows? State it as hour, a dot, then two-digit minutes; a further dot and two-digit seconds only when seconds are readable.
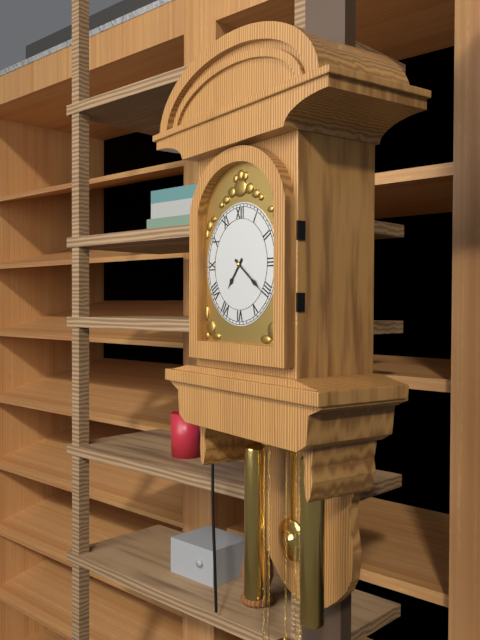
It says 7.21
